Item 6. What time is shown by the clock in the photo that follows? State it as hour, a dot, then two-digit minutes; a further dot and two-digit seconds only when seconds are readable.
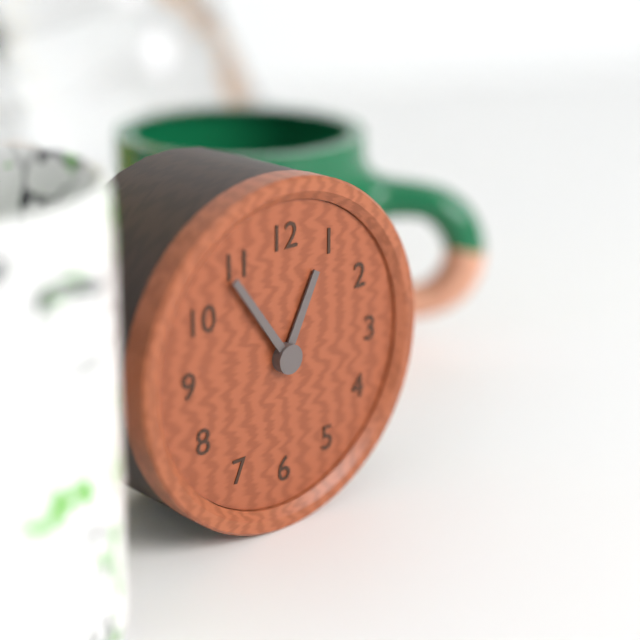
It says 12.54
